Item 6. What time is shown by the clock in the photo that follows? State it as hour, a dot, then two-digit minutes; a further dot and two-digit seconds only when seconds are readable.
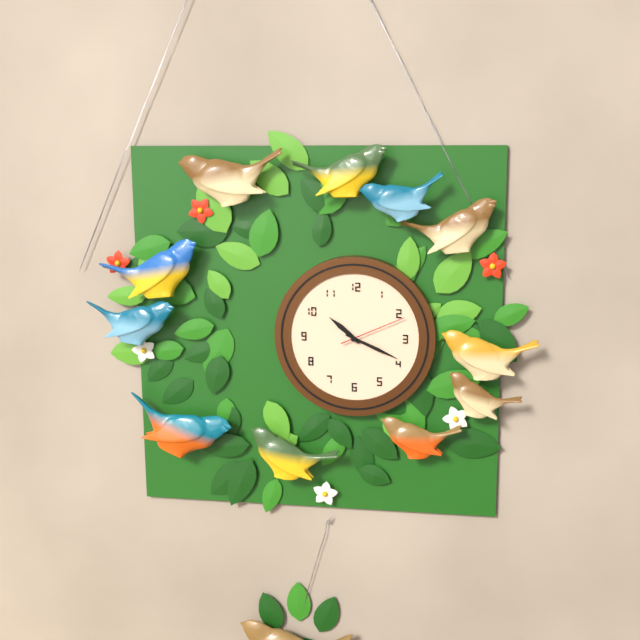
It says 10.19.11
